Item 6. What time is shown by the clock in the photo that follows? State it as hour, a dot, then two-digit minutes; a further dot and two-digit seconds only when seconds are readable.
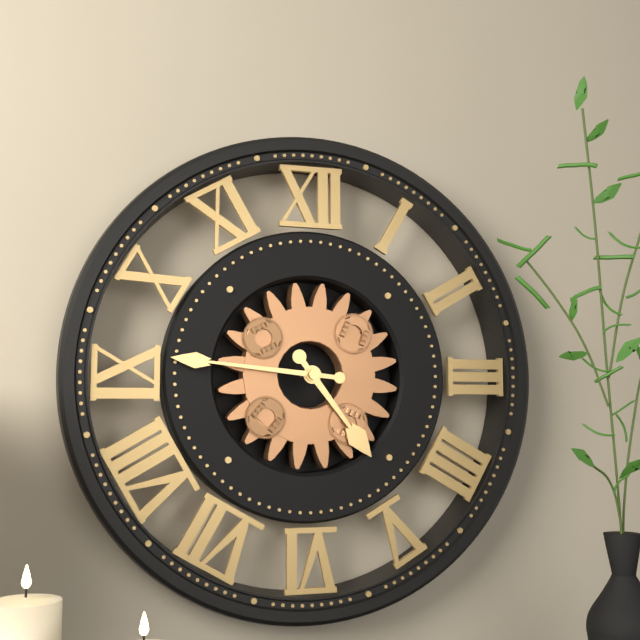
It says 4.46
